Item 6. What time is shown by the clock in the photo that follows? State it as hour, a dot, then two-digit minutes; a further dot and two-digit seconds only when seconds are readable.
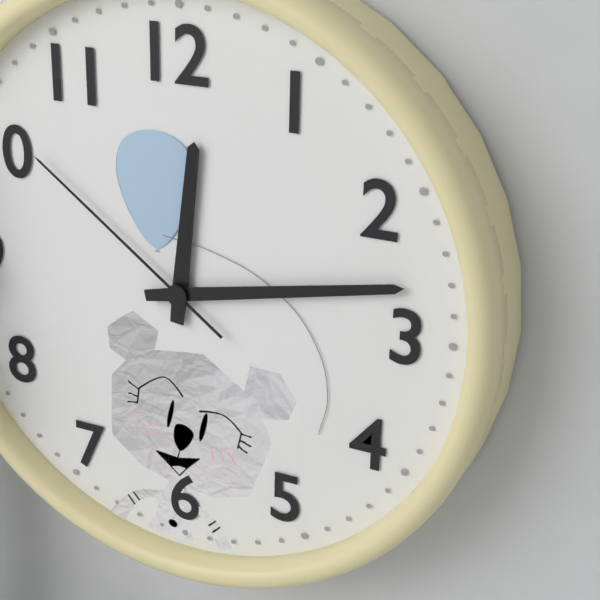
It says 12.13.51
